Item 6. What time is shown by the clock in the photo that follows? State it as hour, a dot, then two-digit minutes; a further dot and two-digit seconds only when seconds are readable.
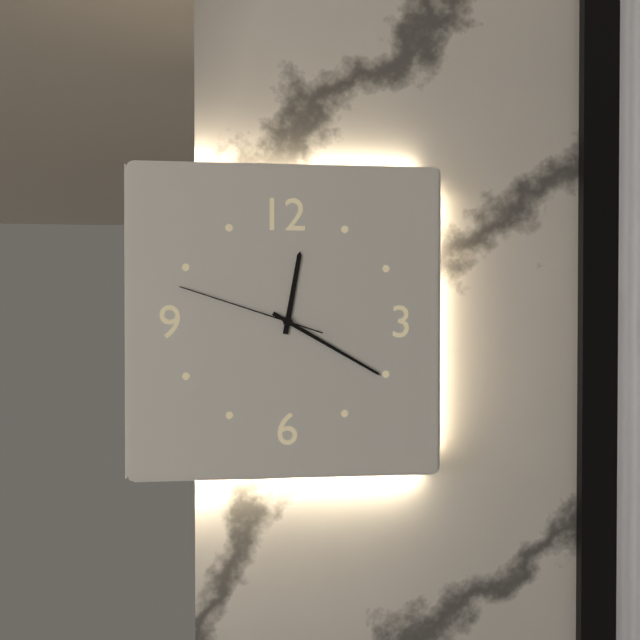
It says 12.20.48
